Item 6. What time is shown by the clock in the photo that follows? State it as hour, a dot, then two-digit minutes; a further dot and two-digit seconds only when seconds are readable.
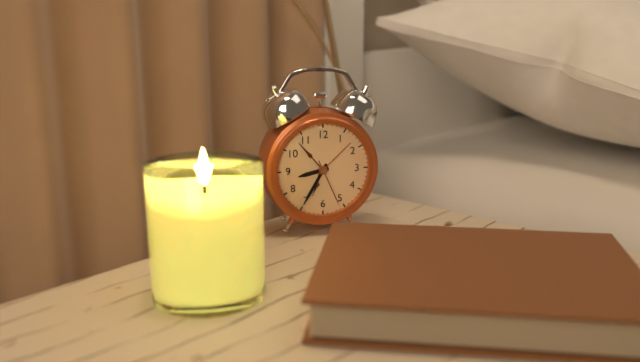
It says 8.35.26
